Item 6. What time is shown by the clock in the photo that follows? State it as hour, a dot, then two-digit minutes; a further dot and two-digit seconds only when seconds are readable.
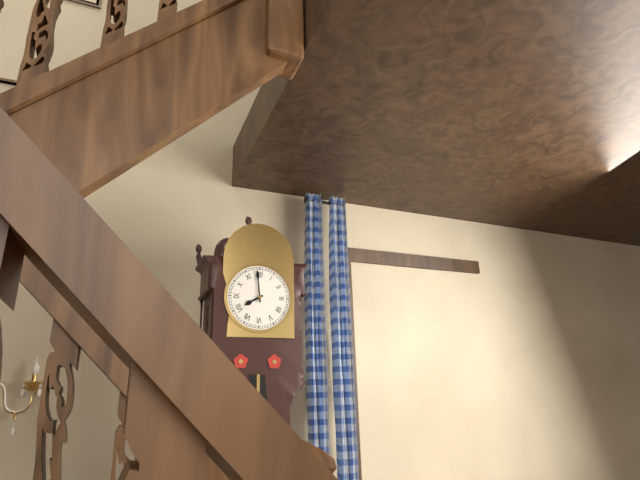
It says 7.59
